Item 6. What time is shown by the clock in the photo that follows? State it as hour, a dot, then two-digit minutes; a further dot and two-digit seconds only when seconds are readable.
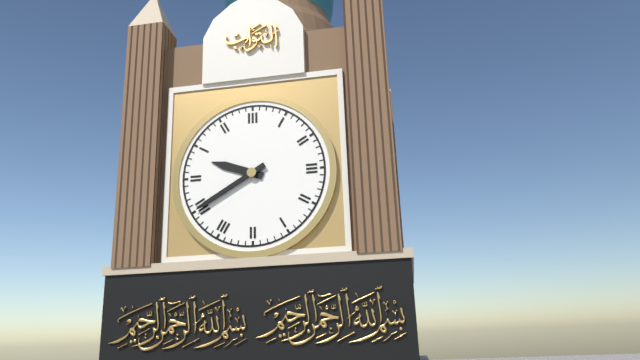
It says 9.40
